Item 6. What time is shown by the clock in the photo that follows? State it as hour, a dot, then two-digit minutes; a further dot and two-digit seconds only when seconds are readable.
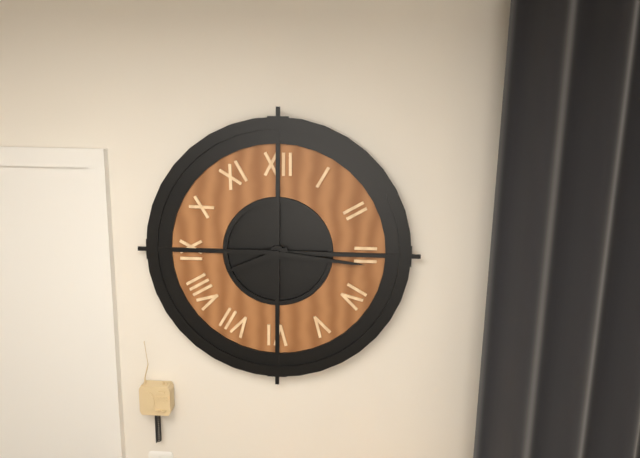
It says 8.16
